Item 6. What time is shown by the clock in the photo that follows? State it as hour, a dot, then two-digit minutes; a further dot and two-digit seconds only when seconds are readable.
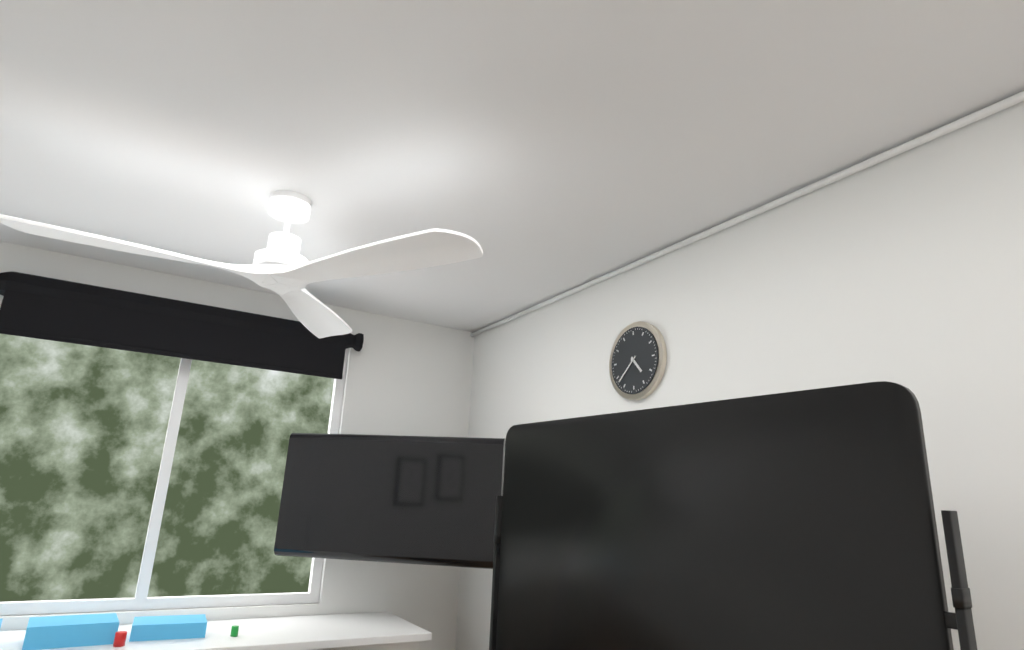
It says 4.38
